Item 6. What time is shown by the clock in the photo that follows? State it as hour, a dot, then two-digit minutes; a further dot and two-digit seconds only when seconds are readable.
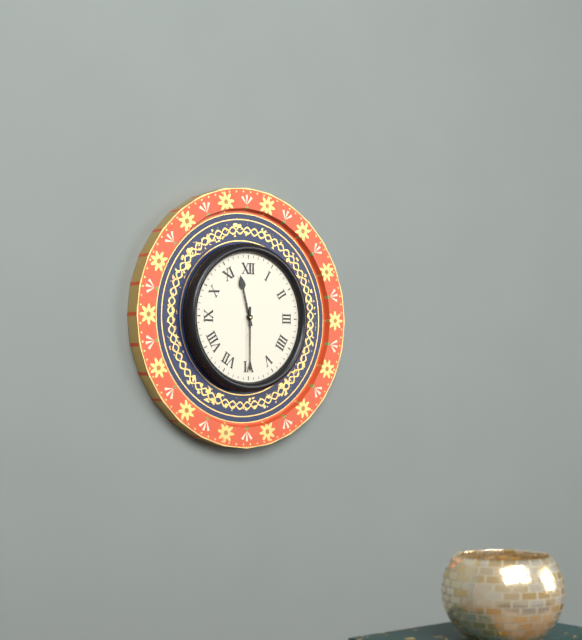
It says 11.30
